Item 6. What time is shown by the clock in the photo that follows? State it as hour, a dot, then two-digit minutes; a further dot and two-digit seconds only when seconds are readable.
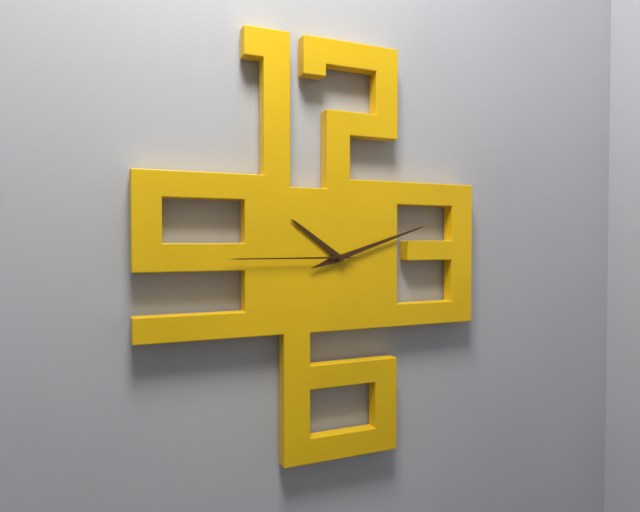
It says 10.12.45
